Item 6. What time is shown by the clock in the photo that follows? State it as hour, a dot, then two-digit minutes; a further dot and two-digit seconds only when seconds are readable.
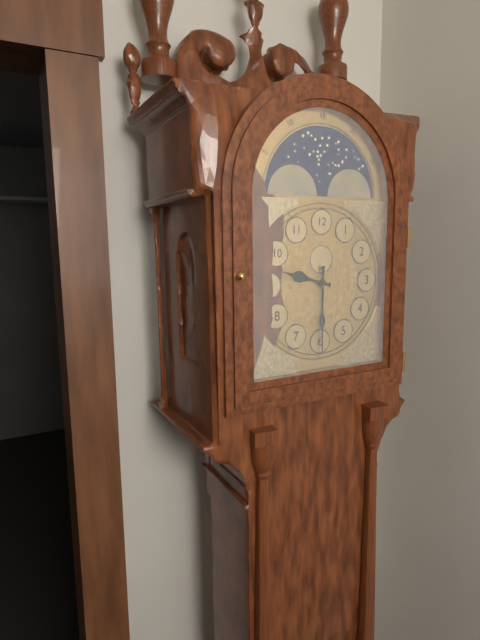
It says 9.30
